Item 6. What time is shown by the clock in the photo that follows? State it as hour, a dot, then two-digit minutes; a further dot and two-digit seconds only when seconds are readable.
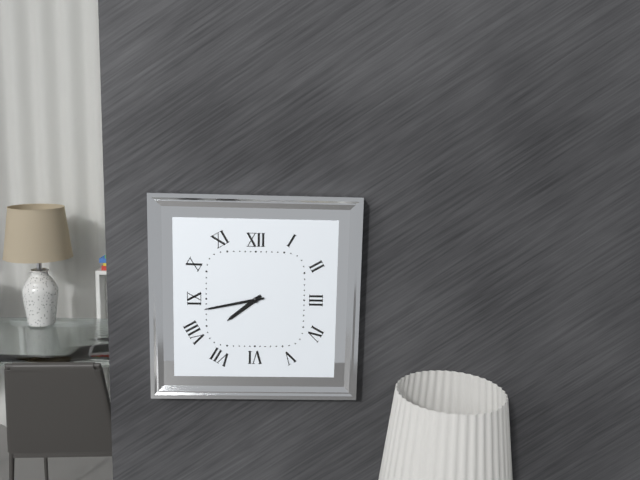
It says 7.43
